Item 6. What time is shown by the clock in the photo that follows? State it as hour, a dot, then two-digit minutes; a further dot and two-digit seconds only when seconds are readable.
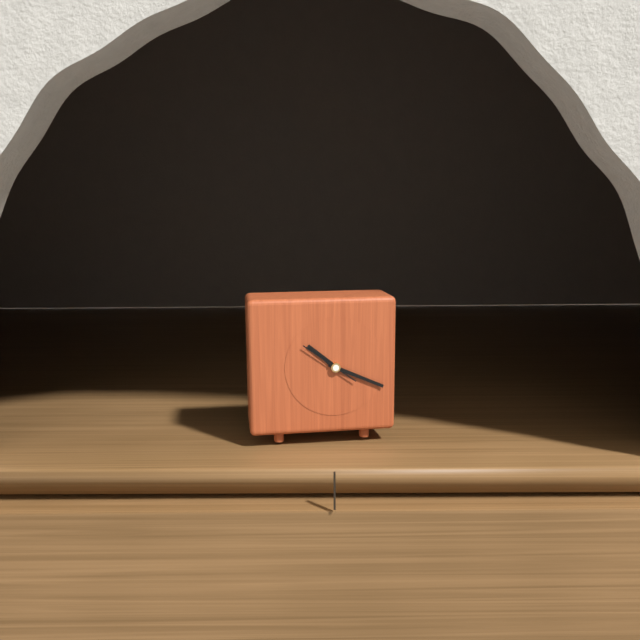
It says 10.19
